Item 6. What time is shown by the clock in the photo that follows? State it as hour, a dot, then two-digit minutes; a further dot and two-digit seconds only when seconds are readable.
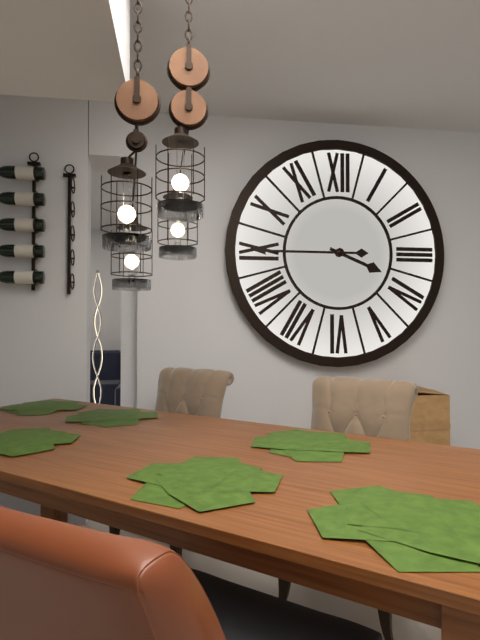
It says 3.45
